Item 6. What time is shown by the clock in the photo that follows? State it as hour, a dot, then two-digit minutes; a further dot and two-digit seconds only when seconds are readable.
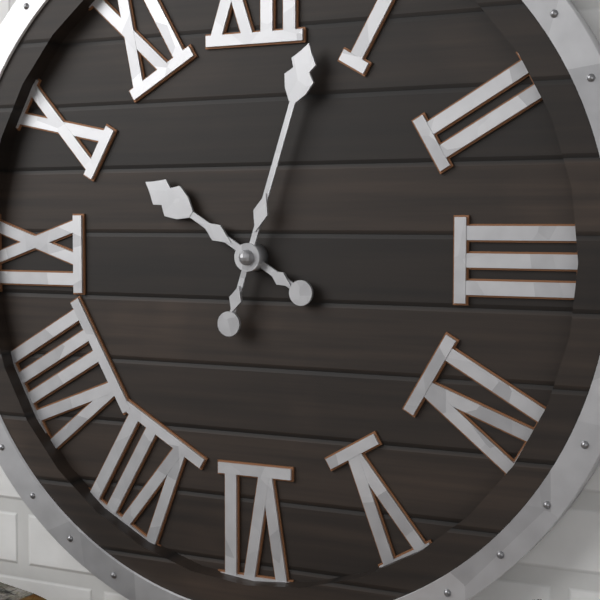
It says 10.03
